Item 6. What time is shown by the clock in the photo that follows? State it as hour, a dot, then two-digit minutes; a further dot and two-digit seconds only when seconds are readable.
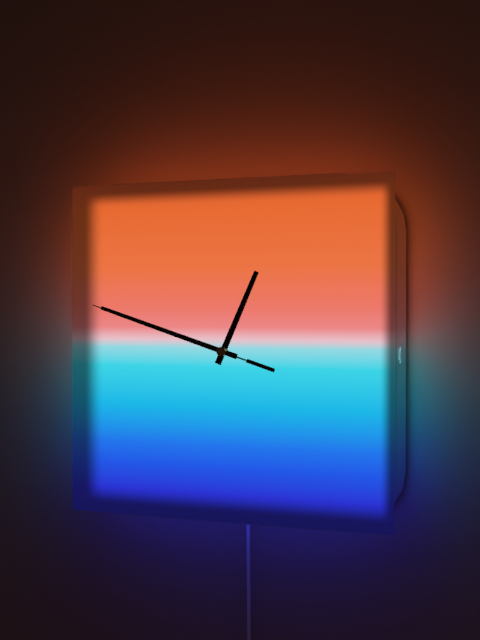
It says 12.48.48
